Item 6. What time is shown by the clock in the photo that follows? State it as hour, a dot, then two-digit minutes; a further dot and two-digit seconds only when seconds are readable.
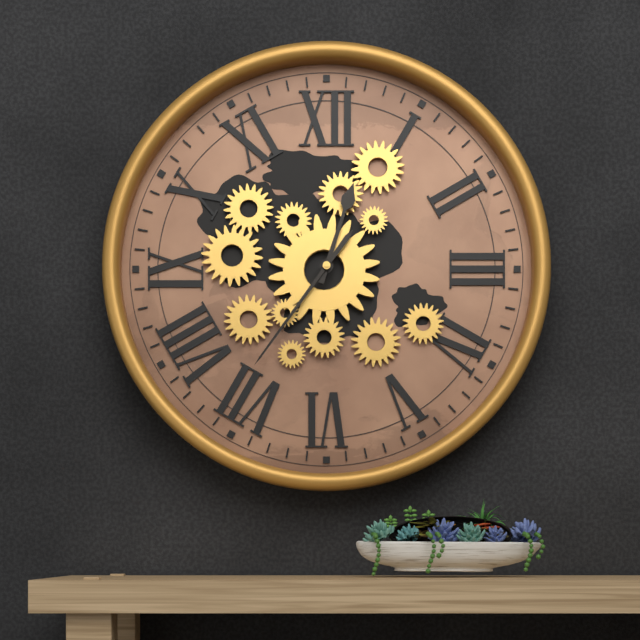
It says 12.36
